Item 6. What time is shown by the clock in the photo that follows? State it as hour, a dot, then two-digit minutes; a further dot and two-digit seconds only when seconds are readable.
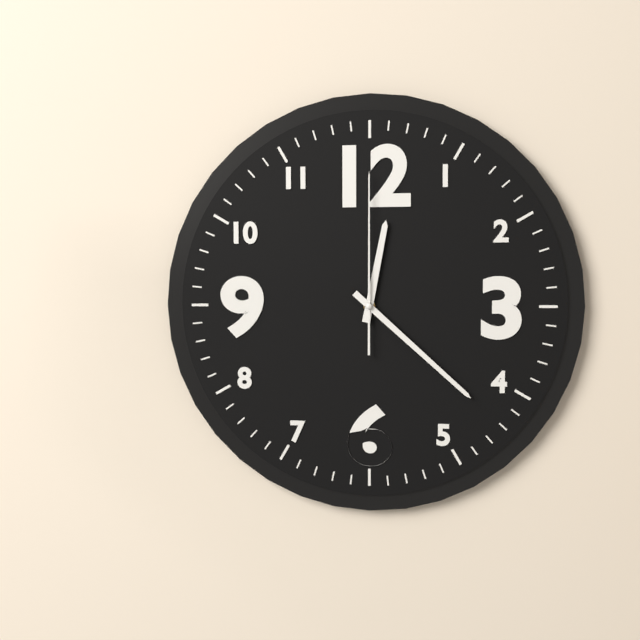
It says 12.22.00
